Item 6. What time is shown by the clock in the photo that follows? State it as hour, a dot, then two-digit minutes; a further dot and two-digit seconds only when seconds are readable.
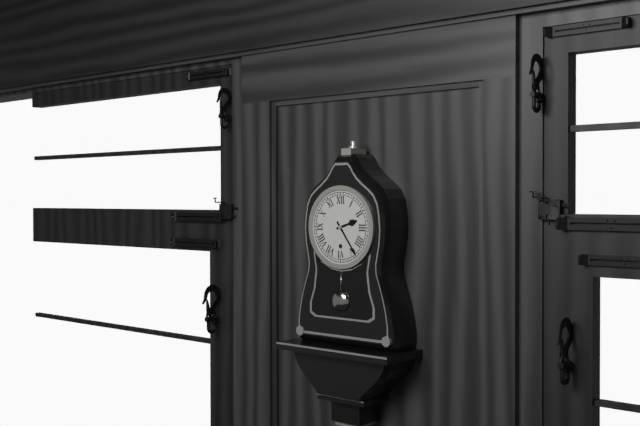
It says 2.24
